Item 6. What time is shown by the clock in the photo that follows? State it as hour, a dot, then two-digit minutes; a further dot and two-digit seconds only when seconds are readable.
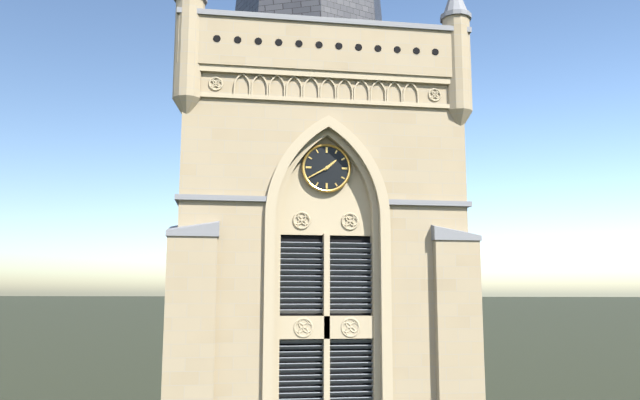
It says 1.40
